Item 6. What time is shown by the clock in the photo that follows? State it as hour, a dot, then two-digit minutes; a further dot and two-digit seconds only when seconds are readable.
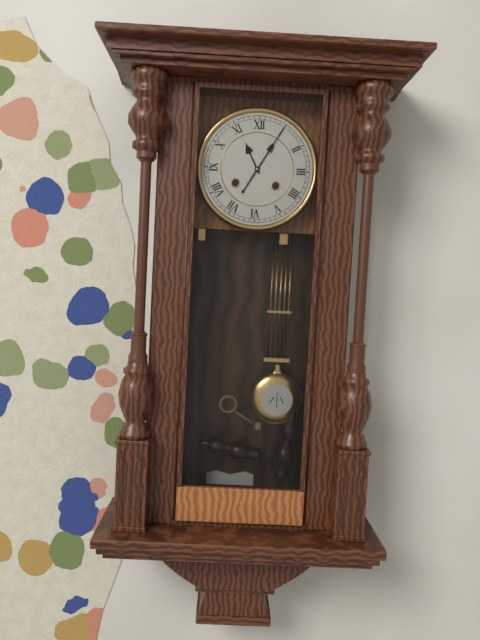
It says 11.05
